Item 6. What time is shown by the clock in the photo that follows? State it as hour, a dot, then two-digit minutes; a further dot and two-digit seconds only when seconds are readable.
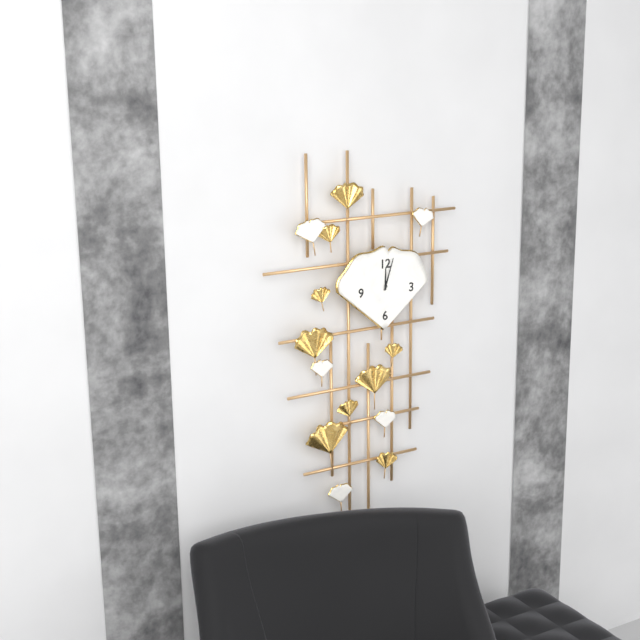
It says 12.03
